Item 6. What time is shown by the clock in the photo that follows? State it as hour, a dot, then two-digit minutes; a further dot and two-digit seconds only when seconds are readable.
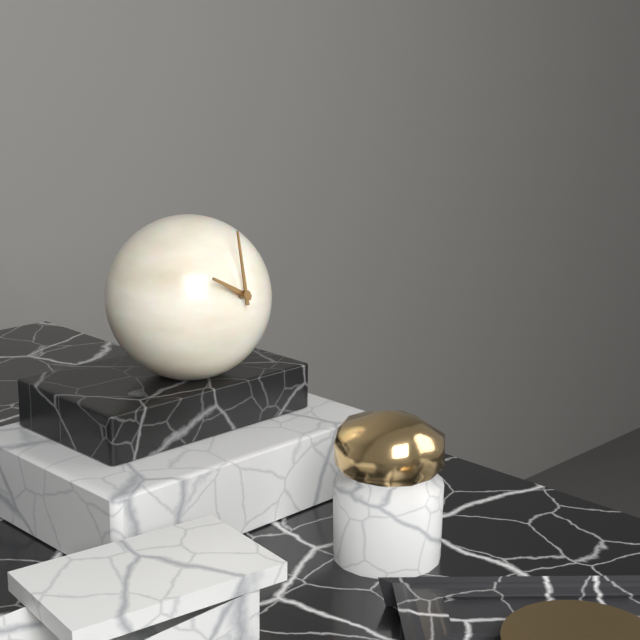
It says 10.00
